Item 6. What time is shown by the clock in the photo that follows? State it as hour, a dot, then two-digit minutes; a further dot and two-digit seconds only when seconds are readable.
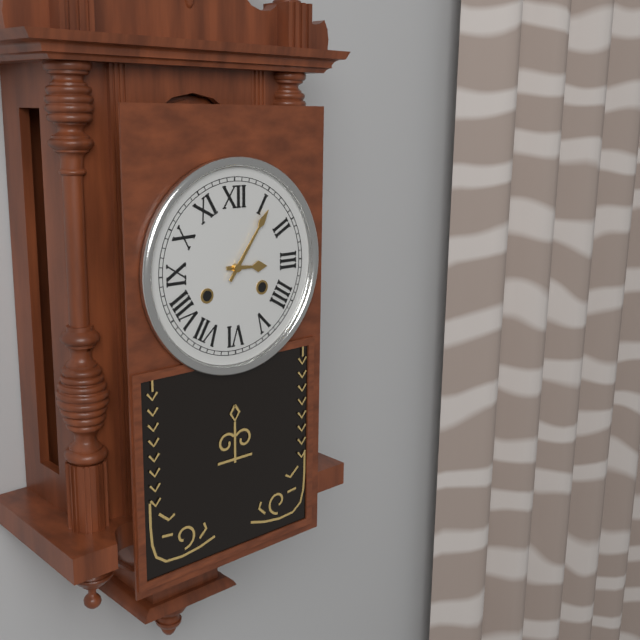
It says 3.06
